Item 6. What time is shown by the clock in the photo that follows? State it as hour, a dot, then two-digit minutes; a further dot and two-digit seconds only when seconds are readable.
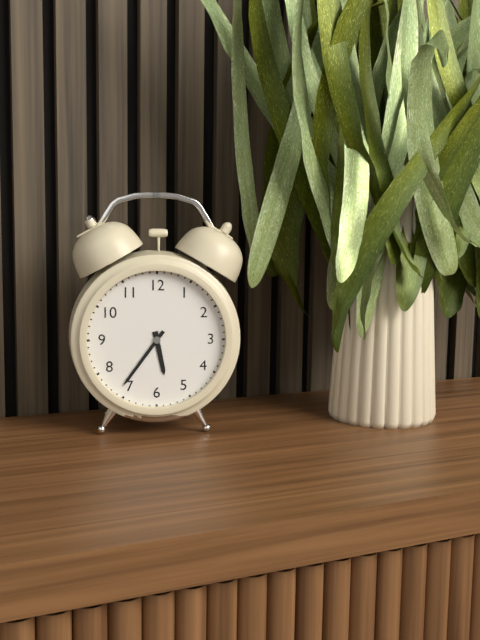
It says 5.36
